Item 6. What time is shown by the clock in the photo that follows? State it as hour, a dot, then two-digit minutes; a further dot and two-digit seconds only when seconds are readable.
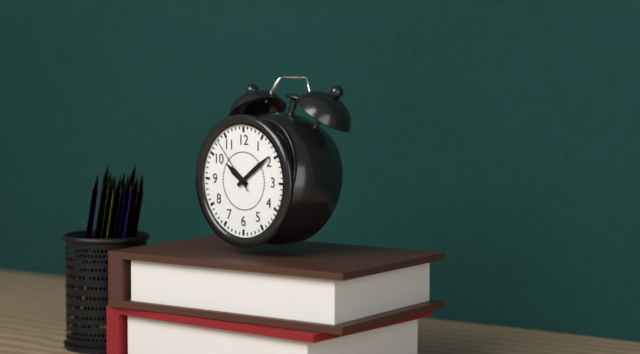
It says 10.09.53
